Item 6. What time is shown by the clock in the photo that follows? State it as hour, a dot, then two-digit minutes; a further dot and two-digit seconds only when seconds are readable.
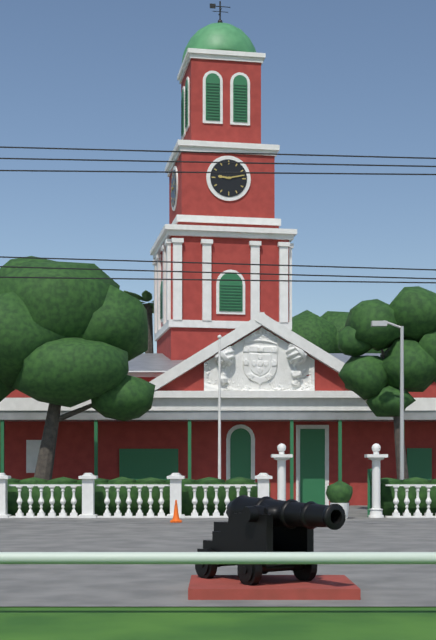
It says 9.13
